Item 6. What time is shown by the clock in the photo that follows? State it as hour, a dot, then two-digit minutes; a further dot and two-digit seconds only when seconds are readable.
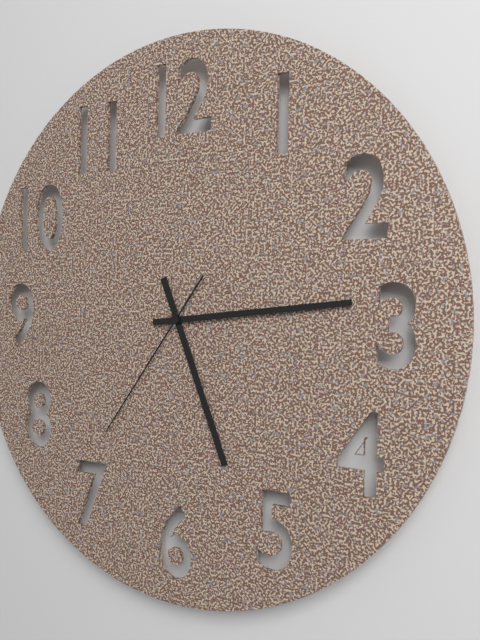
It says 5.14.36
